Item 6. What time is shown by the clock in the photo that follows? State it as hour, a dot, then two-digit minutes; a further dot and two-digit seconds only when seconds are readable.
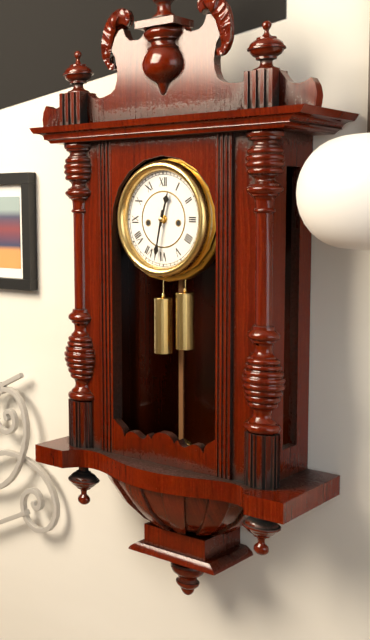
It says 12.32
